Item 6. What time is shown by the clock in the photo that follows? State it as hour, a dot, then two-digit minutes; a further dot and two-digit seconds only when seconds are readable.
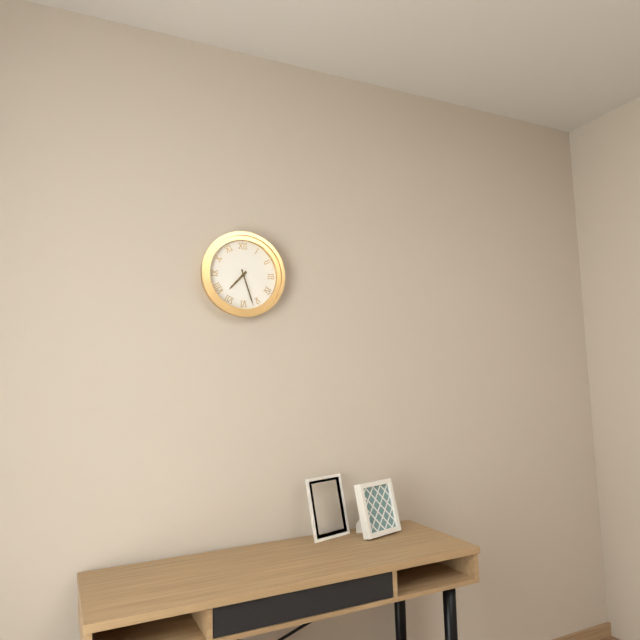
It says 7.27
